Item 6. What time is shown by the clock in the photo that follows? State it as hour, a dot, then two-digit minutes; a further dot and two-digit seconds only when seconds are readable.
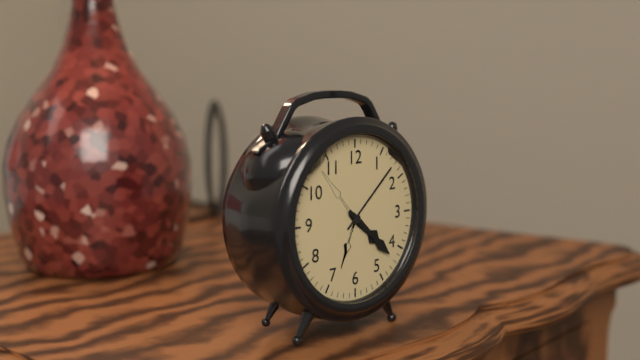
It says 4.22
